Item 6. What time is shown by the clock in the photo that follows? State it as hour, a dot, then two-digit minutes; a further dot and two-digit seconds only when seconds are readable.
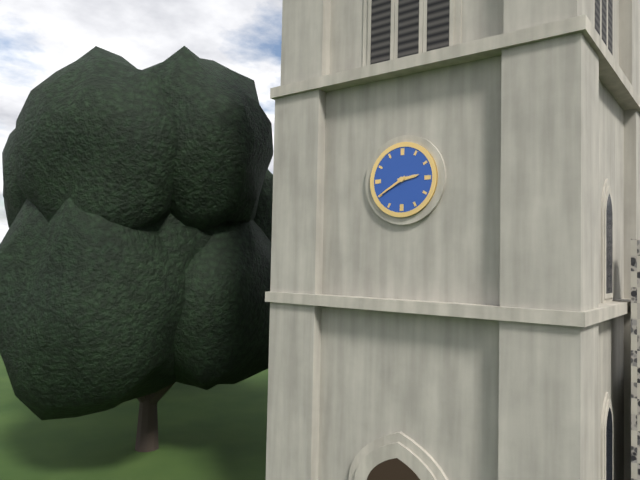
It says 2.40
